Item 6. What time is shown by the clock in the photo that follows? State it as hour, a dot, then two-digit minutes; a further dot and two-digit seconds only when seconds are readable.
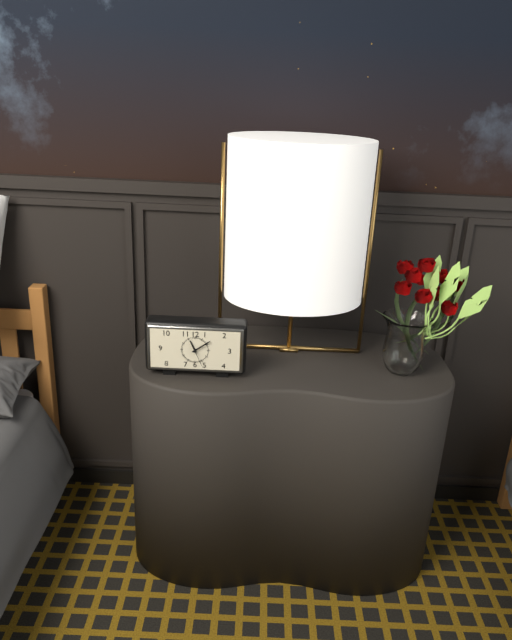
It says 11.09
